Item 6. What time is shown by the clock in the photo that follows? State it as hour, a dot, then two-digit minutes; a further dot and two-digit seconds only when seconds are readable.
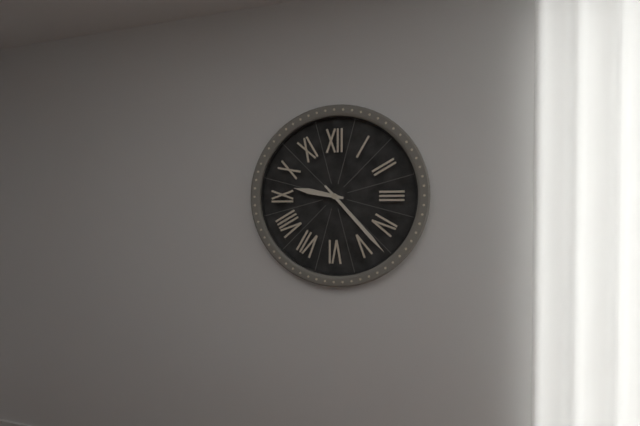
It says 9.23
